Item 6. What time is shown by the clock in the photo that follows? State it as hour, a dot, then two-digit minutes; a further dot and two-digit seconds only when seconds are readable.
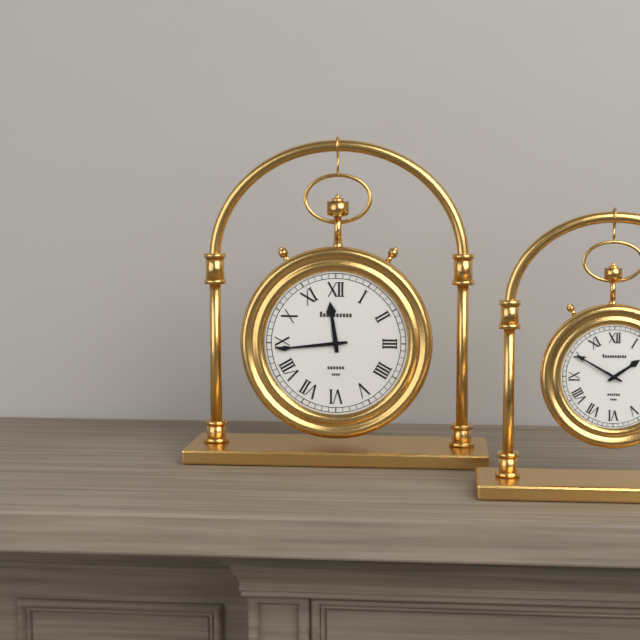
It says 11.44
